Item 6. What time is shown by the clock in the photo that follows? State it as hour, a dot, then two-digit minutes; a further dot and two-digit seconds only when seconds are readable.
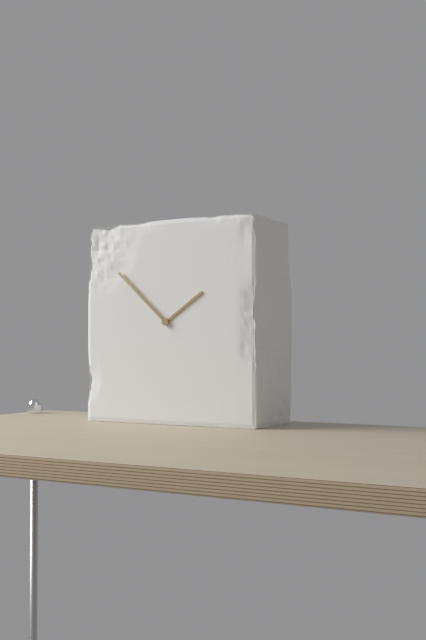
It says 1.52
